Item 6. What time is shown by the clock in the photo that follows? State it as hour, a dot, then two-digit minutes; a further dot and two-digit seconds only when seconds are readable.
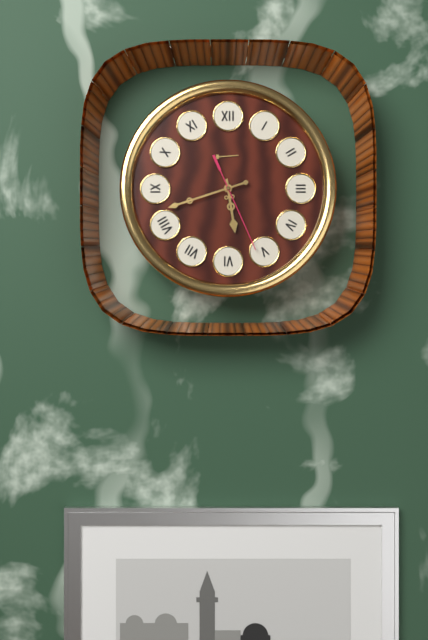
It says 5.42.26
